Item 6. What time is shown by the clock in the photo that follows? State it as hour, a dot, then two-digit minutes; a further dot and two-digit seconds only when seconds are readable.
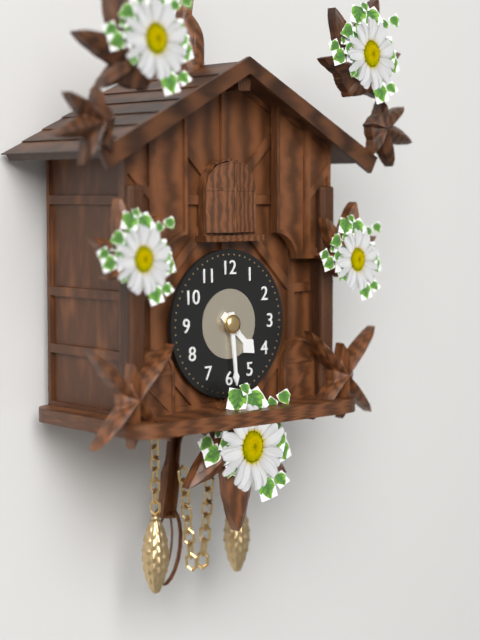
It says 4.29
